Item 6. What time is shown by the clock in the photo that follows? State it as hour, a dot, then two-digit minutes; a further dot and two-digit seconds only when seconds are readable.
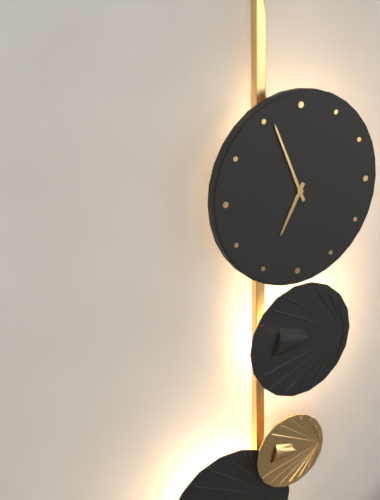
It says 6.56
